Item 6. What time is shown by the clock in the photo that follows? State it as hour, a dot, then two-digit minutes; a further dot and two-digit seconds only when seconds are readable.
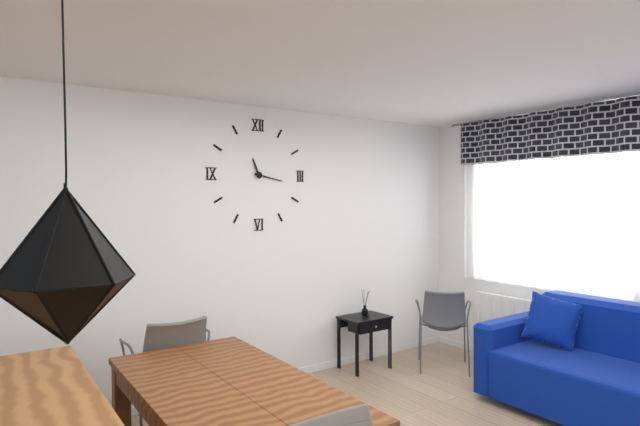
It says 11.17
